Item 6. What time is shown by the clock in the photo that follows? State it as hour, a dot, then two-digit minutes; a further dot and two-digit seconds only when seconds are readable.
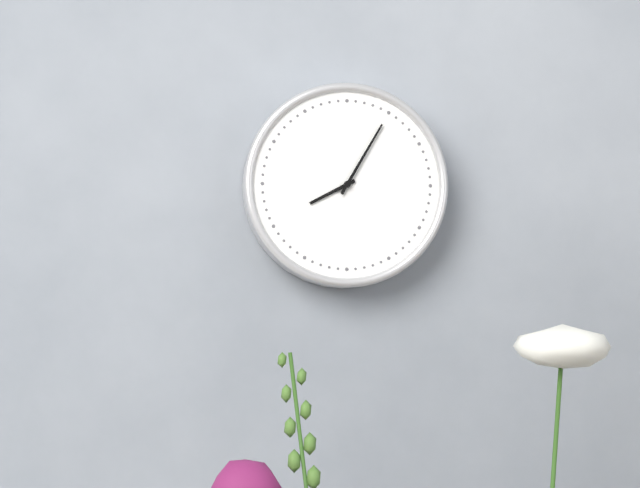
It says 8.05
